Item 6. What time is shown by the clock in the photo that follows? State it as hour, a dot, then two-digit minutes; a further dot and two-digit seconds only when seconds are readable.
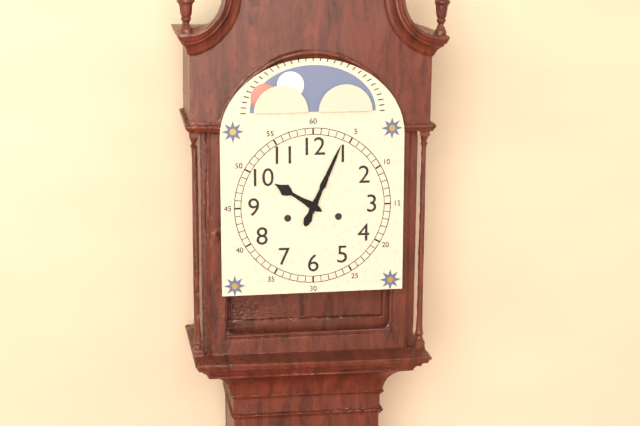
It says 10.04
